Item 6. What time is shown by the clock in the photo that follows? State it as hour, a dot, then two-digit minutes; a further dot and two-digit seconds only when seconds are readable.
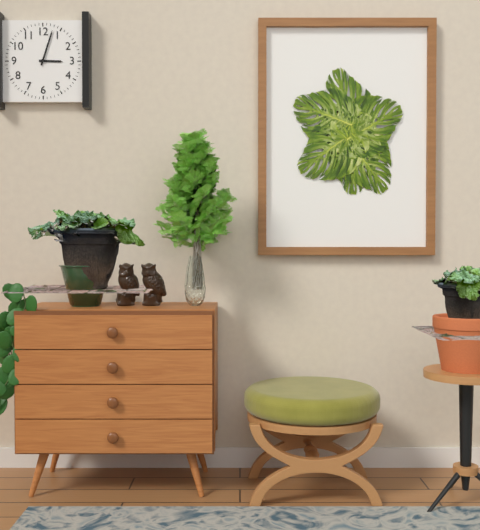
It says 3.03
